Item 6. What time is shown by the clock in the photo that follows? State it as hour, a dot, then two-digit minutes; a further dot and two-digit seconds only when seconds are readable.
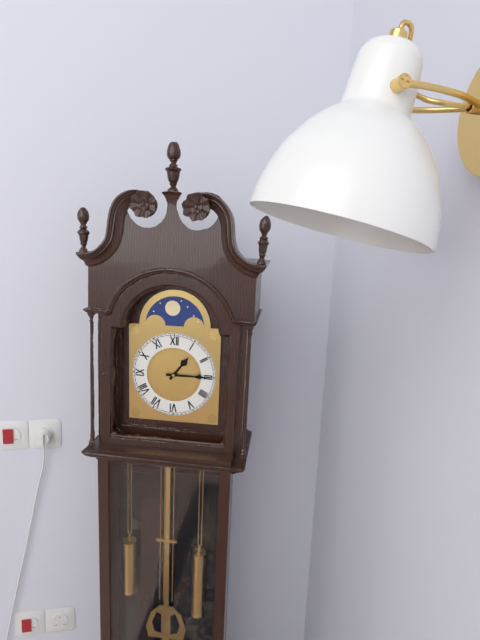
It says 1.15
